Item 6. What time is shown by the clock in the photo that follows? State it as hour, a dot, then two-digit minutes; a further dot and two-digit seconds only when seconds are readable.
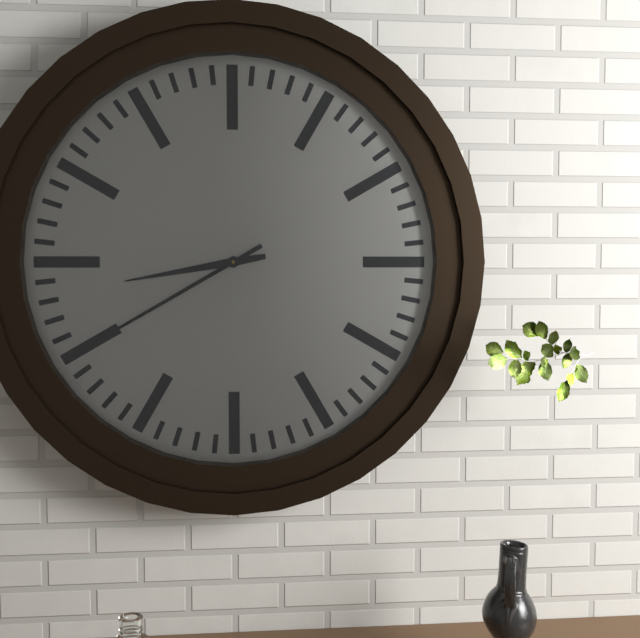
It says 8.40
